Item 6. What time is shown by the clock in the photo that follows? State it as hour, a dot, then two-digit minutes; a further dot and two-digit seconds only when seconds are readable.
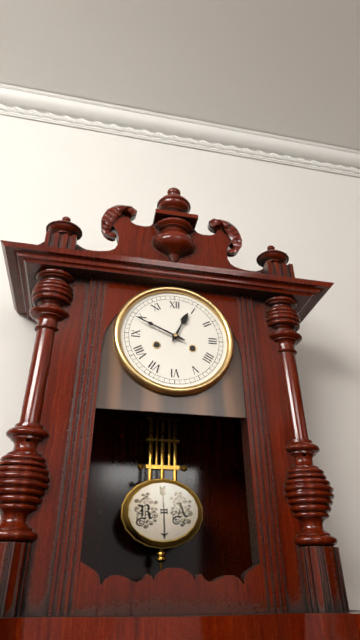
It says 12.49
